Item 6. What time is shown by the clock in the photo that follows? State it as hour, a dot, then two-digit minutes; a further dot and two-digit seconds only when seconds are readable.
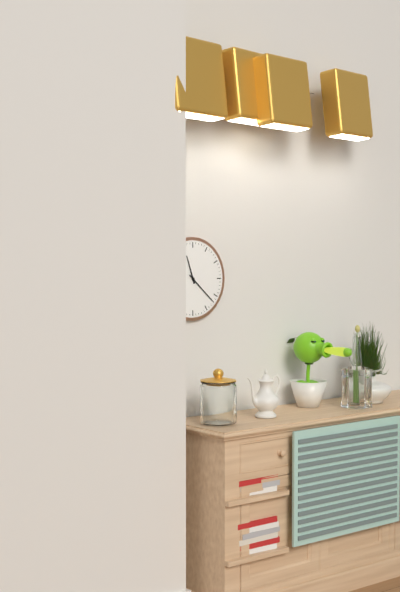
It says 11.22
